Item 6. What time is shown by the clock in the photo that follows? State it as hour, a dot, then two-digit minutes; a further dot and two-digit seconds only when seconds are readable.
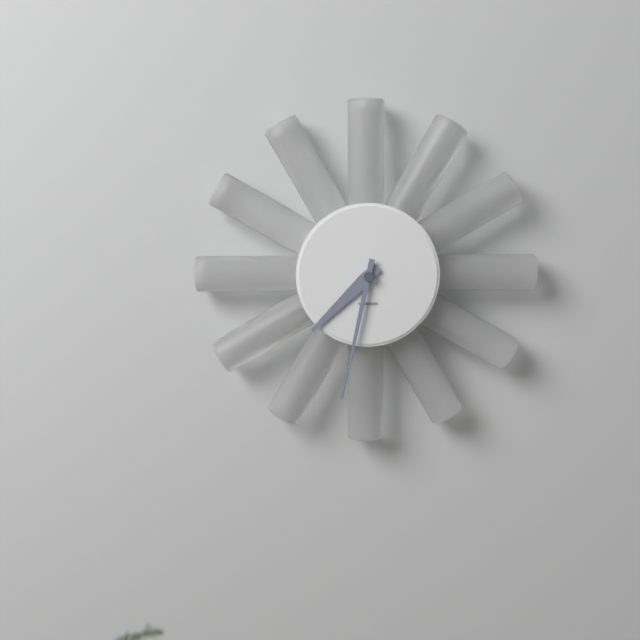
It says 7.32
